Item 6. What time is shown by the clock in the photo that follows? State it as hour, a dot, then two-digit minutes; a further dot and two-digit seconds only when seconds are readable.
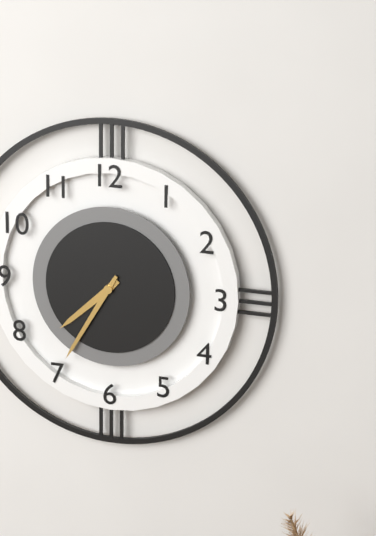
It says 7.35
